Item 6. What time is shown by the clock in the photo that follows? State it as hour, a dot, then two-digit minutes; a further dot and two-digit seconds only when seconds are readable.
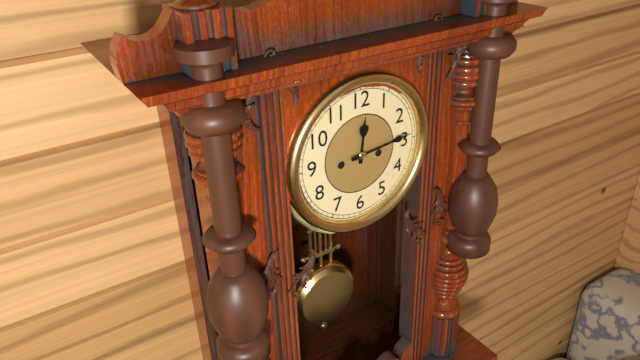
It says 12.14
